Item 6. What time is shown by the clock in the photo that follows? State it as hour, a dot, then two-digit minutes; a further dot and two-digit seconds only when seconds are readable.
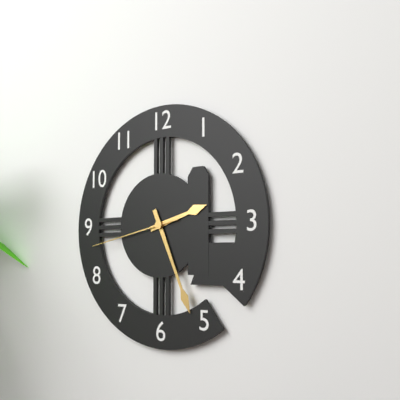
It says 2.26.43
